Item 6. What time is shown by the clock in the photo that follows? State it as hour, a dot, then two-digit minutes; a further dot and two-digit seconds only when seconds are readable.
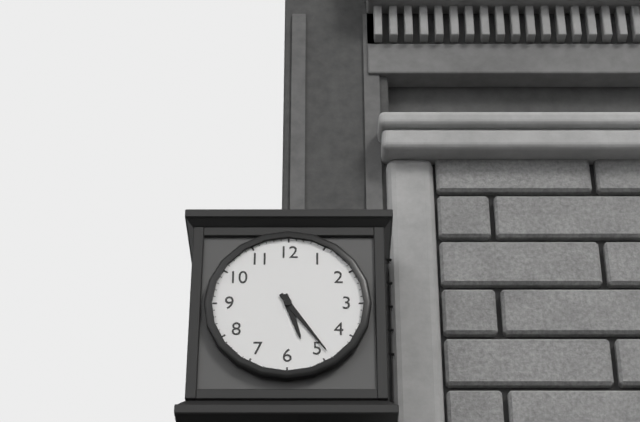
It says 5.24
